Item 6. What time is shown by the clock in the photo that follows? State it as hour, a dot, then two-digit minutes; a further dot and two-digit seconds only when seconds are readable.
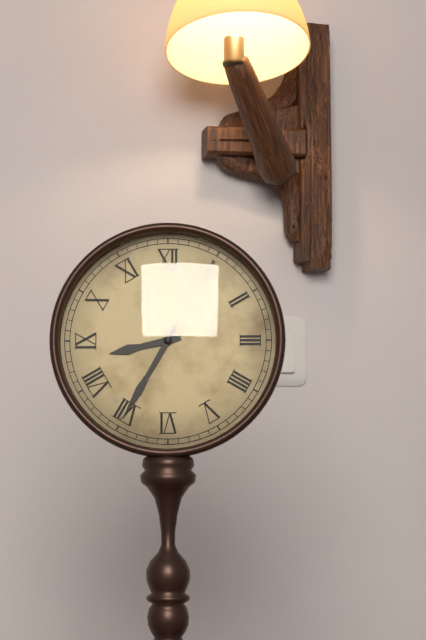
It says 8.35
